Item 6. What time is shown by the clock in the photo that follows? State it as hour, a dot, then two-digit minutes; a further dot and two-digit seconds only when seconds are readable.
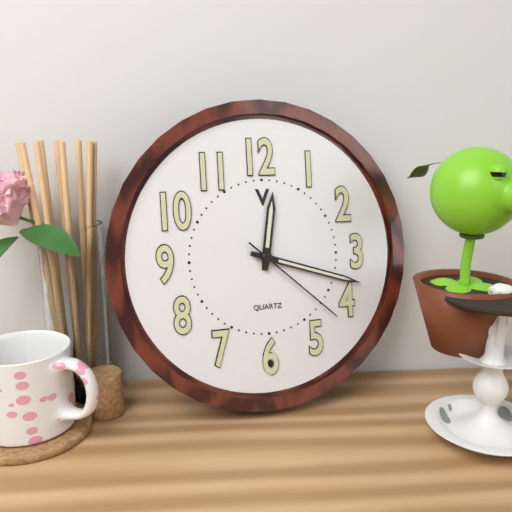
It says 12.18.22
